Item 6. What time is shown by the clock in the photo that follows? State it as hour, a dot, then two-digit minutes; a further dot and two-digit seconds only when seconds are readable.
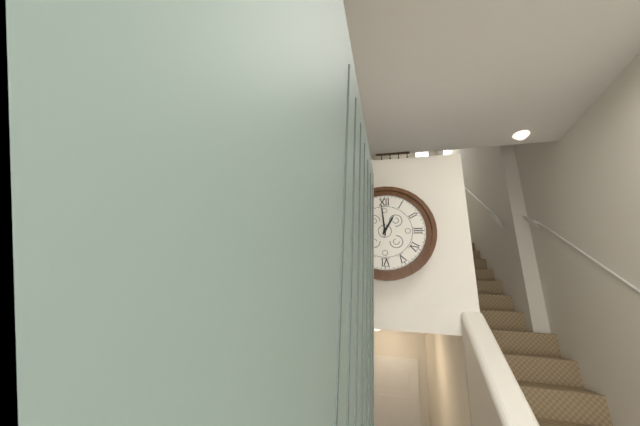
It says 12.59
